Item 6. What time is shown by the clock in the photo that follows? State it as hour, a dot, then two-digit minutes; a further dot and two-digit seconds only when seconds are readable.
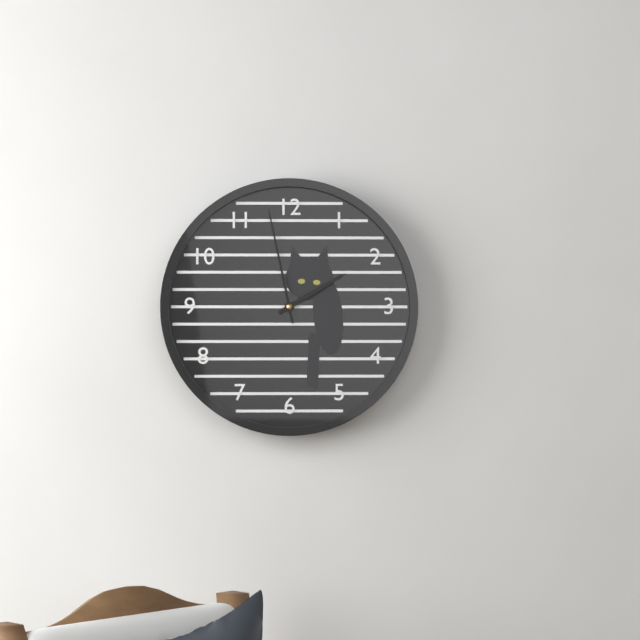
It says 1.58
